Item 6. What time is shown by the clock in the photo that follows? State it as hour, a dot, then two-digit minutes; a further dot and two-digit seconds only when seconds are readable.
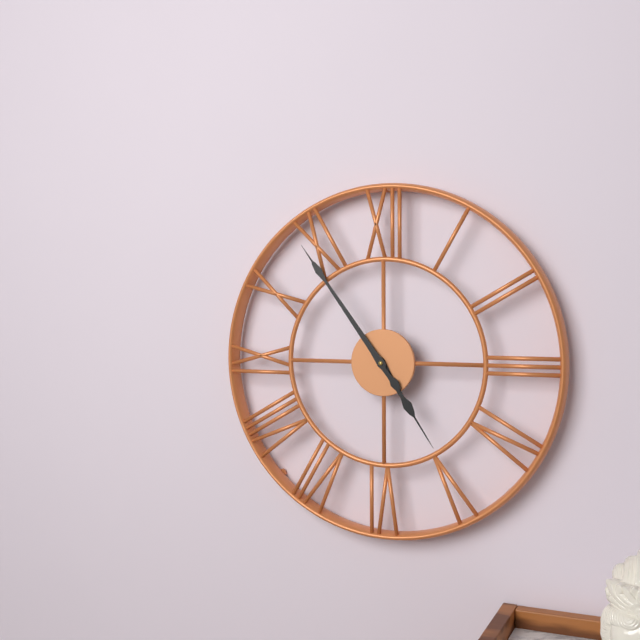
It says 4.54
